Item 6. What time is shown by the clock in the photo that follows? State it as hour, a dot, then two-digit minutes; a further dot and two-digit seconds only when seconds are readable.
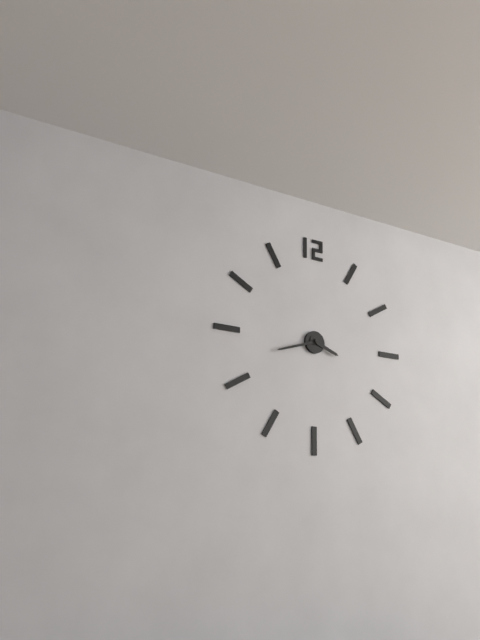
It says 3.42
